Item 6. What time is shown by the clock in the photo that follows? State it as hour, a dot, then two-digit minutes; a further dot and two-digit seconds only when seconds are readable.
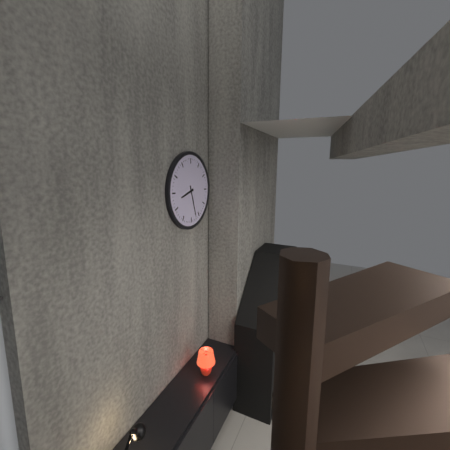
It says 8.27
